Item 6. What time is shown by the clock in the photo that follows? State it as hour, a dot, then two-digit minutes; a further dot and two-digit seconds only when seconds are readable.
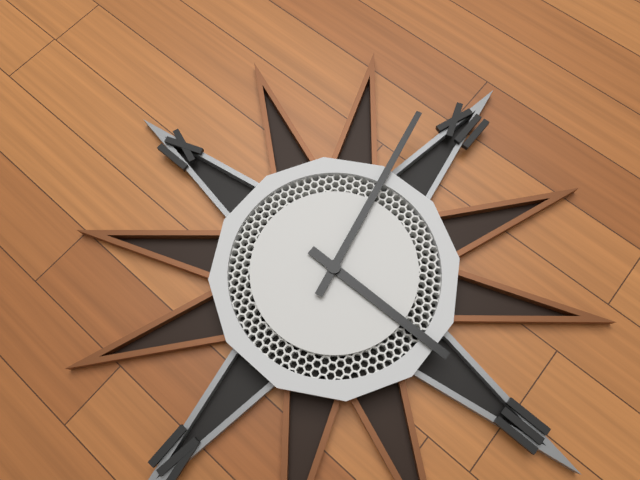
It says 2.58
